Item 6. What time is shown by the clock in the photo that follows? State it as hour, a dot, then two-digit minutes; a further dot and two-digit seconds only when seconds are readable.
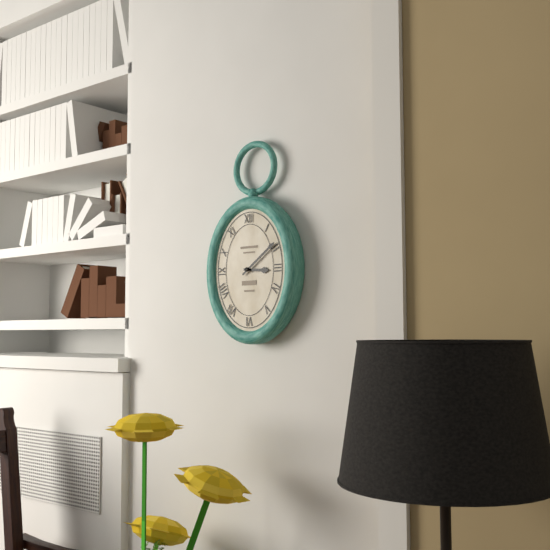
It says 3.09
